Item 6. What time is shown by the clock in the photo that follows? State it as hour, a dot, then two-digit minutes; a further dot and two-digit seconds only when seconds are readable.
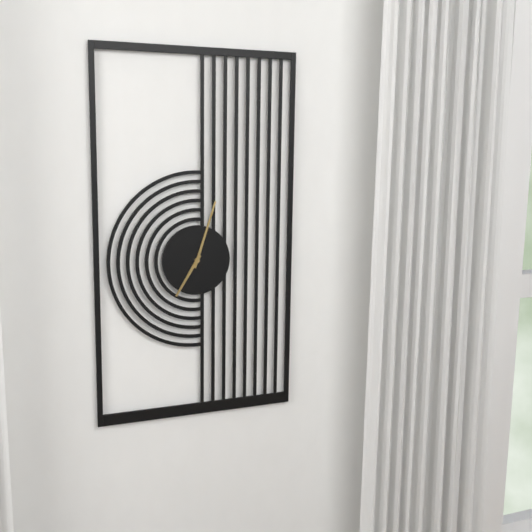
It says 7.03
